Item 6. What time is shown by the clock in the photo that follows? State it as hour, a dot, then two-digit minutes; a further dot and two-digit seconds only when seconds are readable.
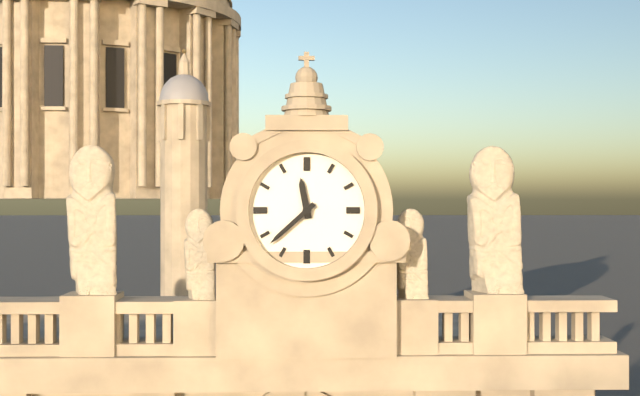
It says 11.38
